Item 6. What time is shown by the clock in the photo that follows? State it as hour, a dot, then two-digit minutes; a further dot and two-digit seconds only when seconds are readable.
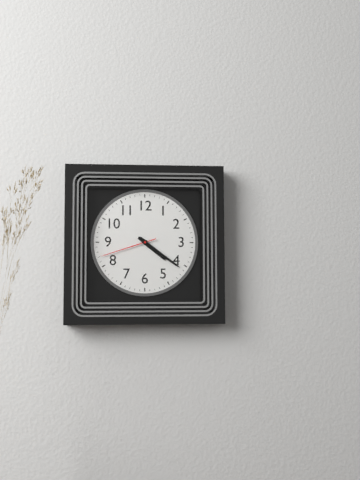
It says 4.21.42
